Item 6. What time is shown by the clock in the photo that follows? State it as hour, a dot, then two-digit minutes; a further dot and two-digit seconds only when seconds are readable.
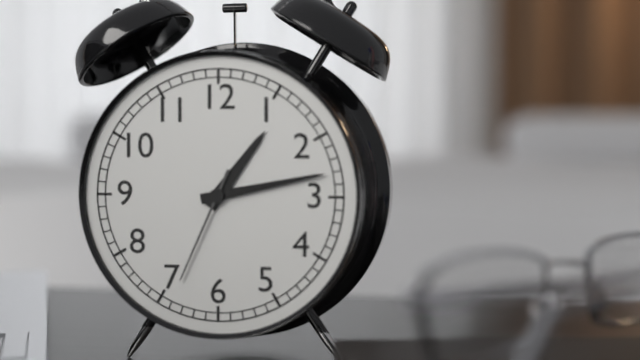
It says 1.13.34
